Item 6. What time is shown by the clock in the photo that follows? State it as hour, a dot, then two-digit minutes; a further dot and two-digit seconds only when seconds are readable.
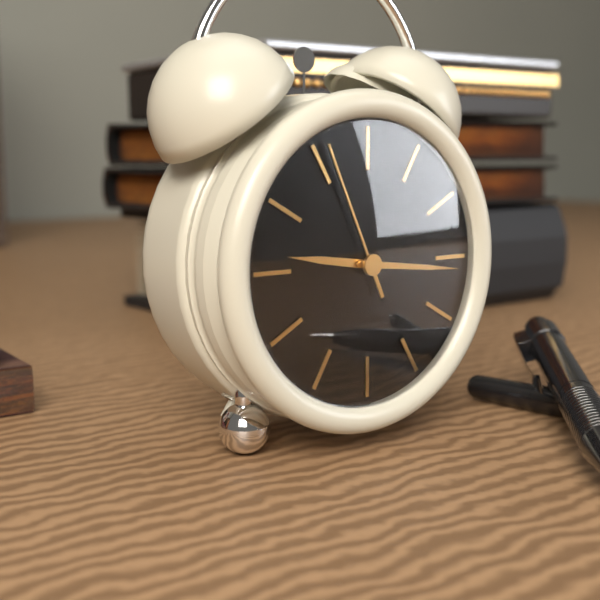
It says 9.16.56
